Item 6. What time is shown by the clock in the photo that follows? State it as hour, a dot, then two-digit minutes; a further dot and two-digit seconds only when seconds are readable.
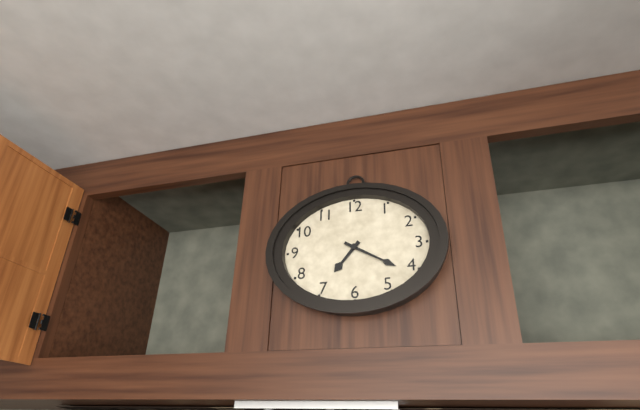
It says 7.20
